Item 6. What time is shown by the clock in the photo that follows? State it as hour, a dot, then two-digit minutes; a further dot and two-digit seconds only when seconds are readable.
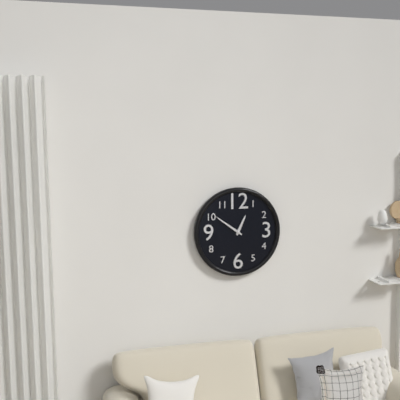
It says 12.51
